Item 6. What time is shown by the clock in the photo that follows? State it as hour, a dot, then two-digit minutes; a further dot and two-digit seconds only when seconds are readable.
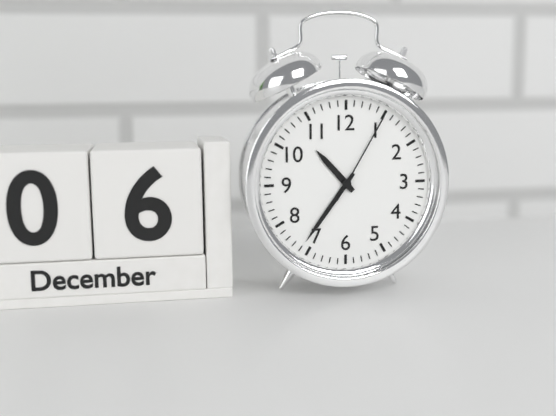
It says 10.36.05
